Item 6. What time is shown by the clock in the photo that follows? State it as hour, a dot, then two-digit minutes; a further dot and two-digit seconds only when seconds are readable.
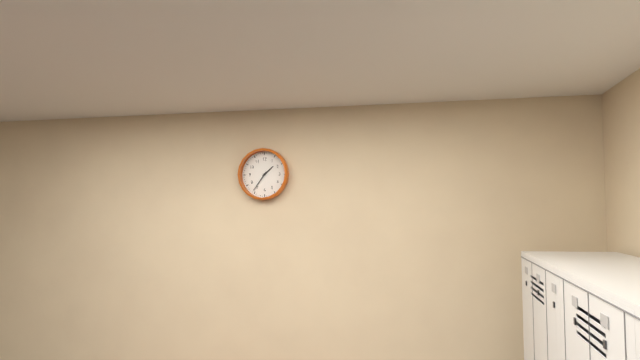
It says 1.36
